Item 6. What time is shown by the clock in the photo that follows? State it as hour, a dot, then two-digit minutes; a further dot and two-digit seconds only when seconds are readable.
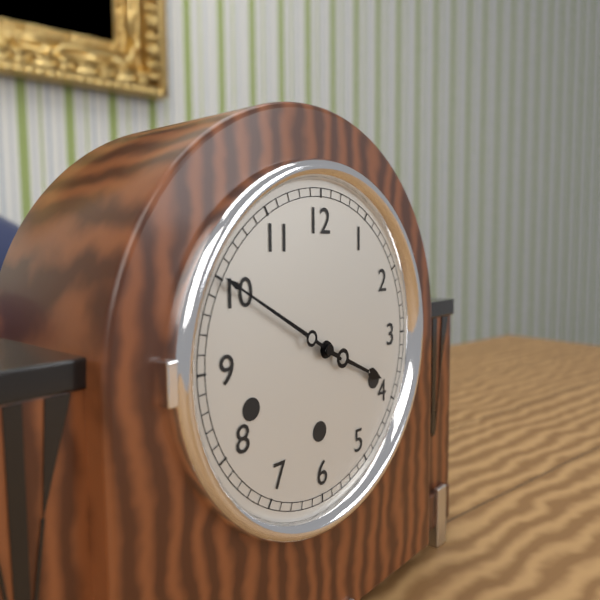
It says 3.50
